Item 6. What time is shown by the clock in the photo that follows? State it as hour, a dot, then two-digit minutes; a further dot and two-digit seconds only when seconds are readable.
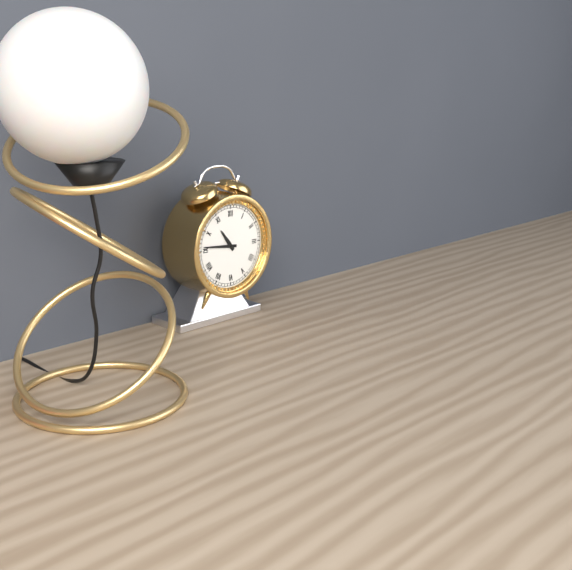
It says 10.46
